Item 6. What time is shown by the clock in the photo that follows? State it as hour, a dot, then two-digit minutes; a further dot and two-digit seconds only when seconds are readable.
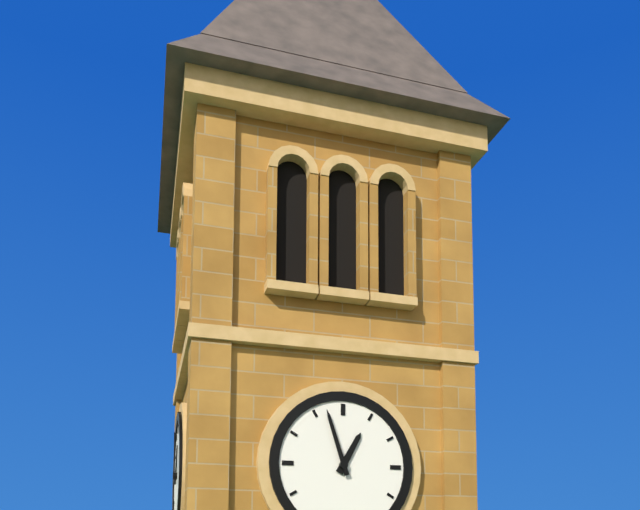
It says 12.57
